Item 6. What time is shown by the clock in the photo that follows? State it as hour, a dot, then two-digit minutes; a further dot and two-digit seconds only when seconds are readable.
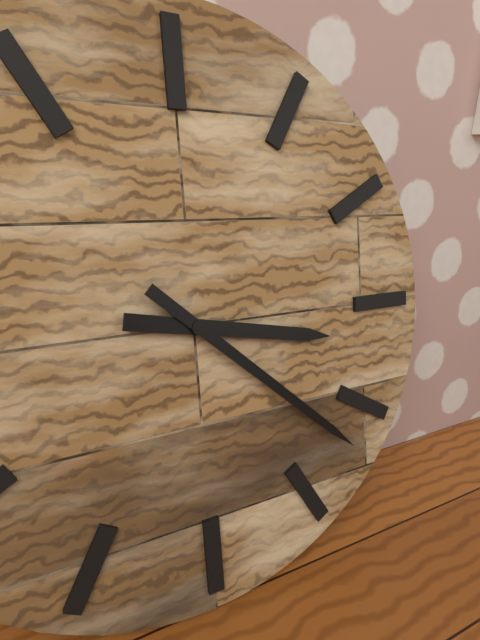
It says 3.22
